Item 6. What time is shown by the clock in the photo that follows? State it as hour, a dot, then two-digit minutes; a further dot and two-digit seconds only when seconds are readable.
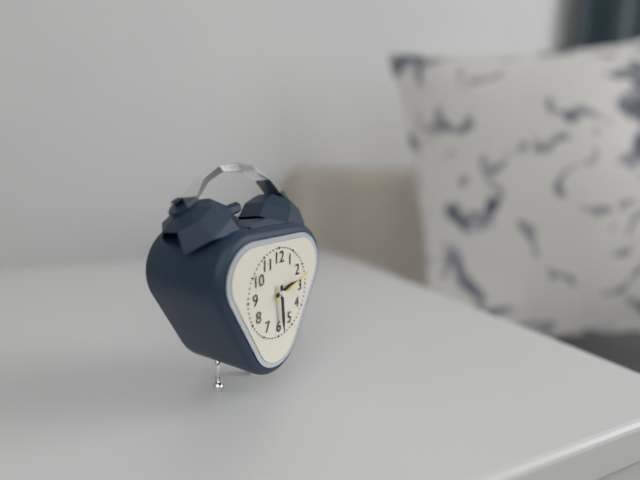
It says 2.29
